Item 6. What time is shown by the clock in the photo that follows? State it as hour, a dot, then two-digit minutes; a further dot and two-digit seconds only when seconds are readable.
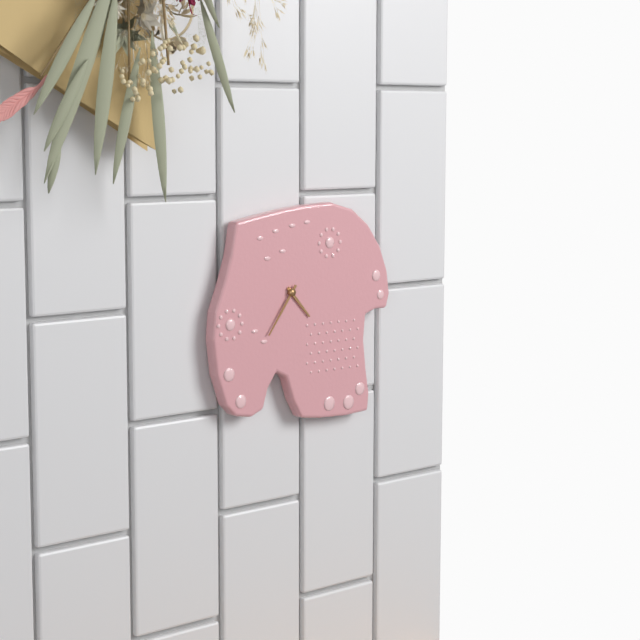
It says 4.36
